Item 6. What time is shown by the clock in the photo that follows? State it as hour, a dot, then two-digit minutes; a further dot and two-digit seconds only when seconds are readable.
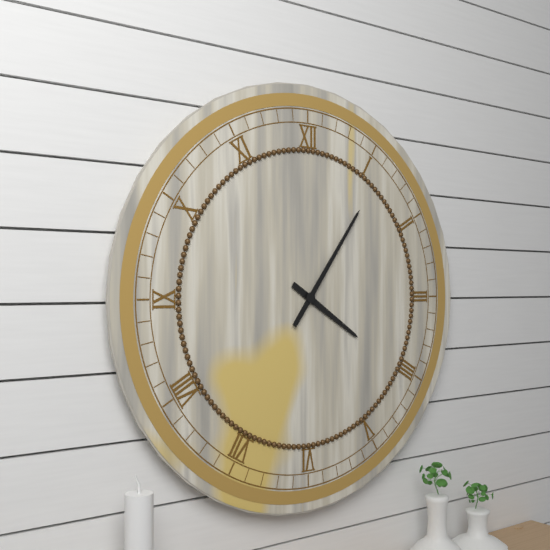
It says 4.06
